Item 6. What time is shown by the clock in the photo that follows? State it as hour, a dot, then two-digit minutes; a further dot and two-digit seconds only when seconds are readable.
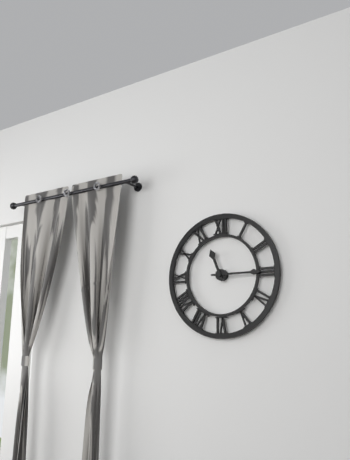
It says 11.15
